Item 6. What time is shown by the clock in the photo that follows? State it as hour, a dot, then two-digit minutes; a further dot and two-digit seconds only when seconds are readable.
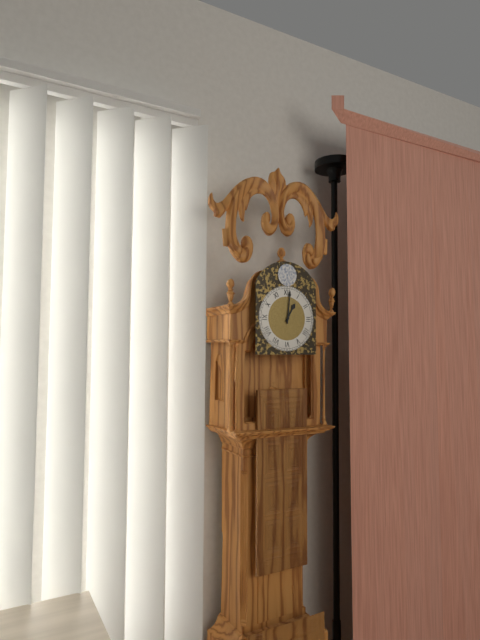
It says 1.01
